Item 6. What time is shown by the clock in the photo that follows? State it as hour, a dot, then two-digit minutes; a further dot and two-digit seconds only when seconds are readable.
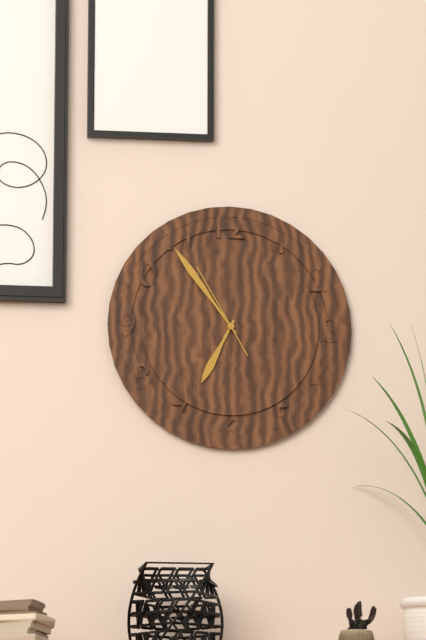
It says 6.54.55
